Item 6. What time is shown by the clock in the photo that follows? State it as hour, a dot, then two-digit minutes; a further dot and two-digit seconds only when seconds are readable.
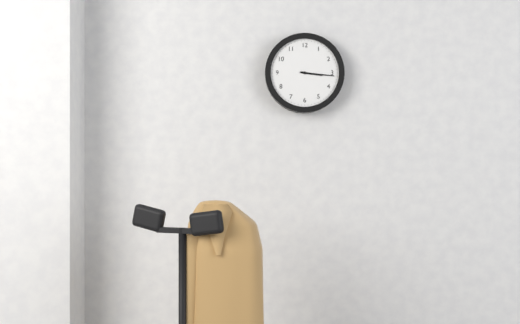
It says 3.16
